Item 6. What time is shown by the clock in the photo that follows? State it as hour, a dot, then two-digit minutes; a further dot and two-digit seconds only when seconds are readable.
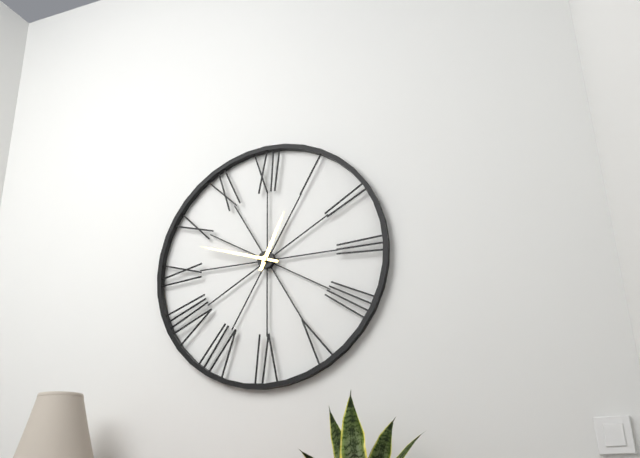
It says 12.48
